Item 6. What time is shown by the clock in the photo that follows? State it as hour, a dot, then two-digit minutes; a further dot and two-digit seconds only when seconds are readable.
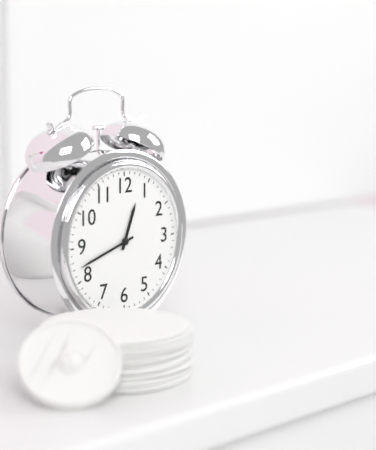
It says 12.42
